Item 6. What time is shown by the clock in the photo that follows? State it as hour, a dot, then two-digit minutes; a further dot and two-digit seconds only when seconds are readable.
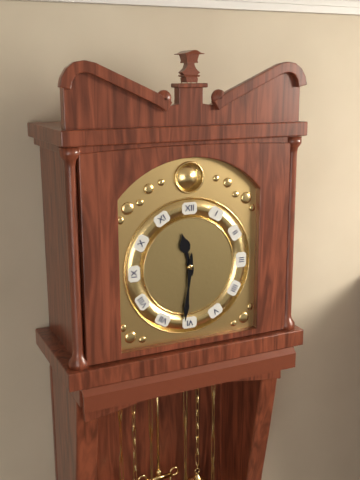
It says 11.31
